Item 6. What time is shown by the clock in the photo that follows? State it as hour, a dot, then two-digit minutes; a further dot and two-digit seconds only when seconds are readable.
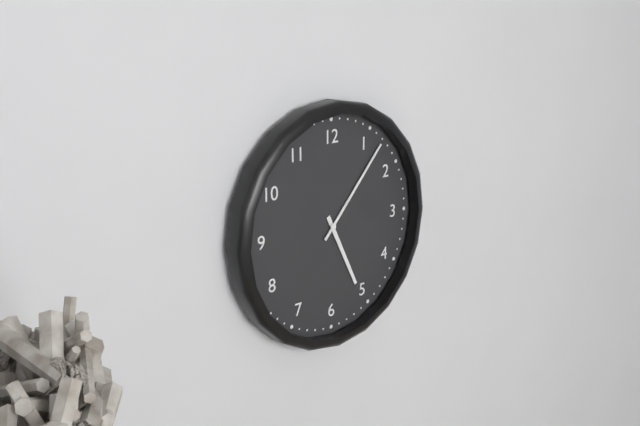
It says 5.07
